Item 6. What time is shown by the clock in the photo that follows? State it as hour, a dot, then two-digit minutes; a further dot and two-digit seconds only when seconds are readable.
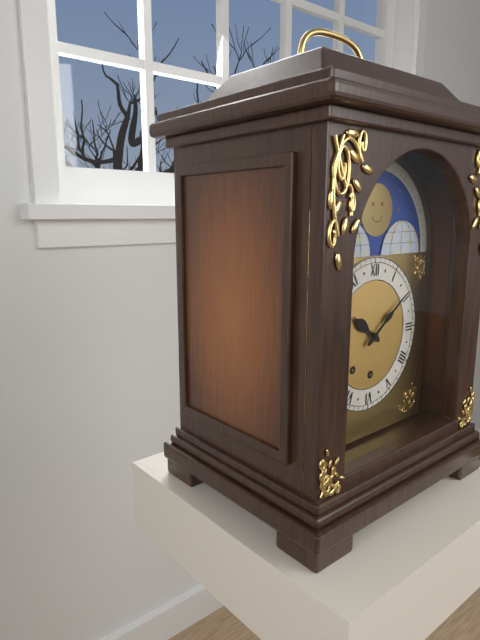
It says 10.09
